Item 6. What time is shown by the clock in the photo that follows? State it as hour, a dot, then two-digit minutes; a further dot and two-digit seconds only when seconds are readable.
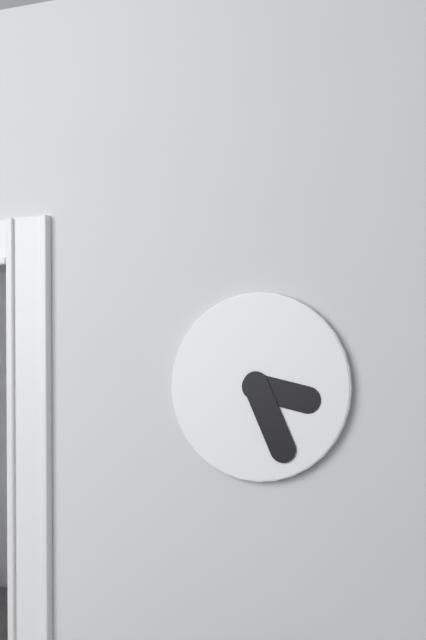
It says 3.26
